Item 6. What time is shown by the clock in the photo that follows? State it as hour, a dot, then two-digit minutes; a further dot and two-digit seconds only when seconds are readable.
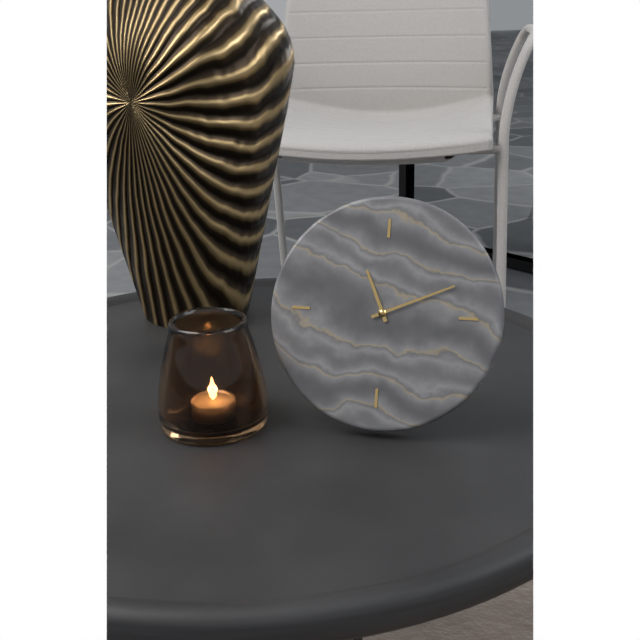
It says 11.11
